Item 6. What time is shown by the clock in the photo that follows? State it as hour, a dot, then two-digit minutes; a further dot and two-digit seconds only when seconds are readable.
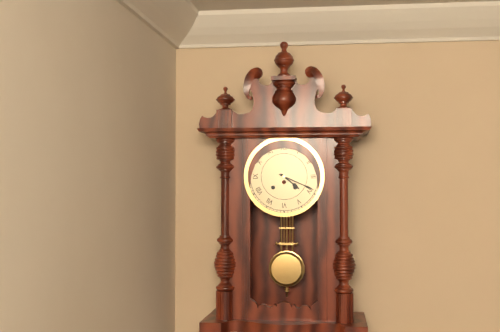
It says 4.19
